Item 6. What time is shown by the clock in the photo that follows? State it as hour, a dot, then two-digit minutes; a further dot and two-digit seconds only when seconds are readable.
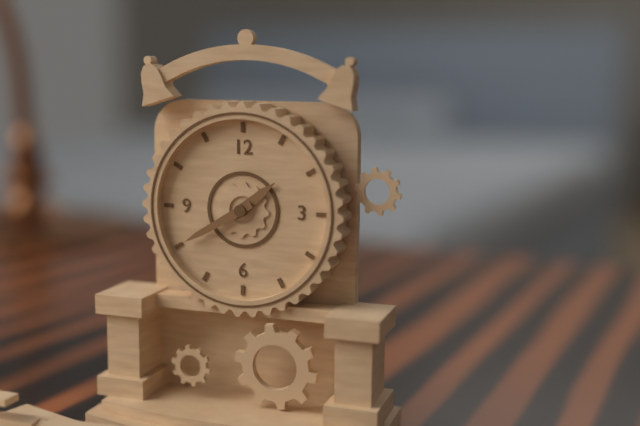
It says 1.40
